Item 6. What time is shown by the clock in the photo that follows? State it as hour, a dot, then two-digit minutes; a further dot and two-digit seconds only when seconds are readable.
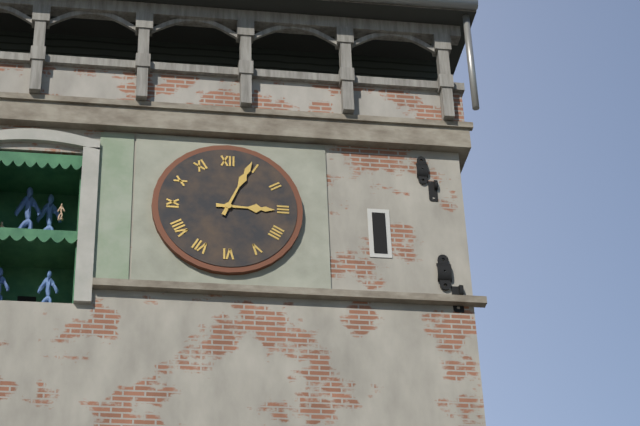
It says 3.04
